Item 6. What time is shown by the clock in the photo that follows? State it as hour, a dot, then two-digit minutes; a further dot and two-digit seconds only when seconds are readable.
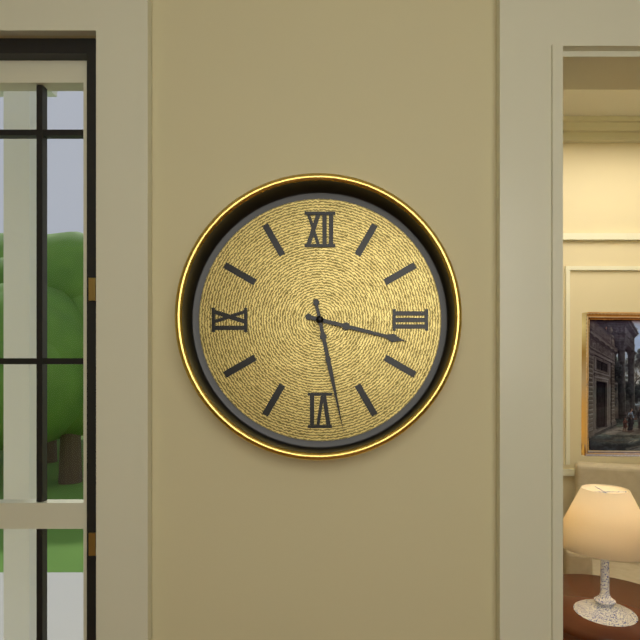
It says 3.28
